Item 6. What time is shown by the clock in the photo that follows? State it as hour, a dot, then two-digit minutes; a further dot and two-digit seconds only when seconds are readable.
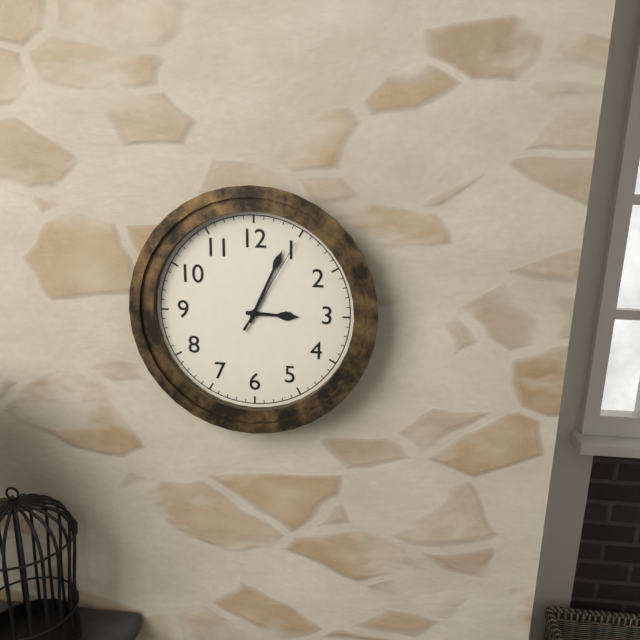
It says 3.04.05
